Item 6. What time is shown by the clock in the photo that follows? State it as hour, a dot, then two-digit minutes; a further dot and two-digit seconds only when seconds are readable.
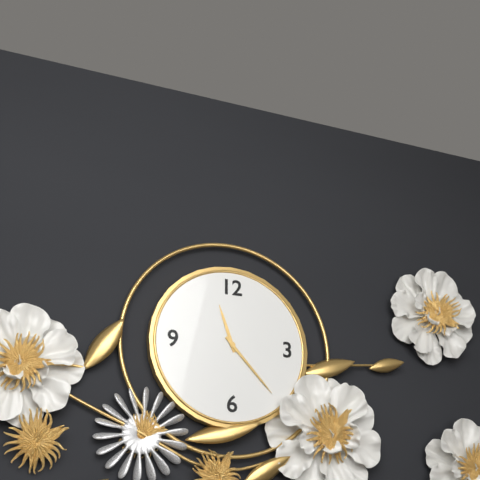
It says 11.23
